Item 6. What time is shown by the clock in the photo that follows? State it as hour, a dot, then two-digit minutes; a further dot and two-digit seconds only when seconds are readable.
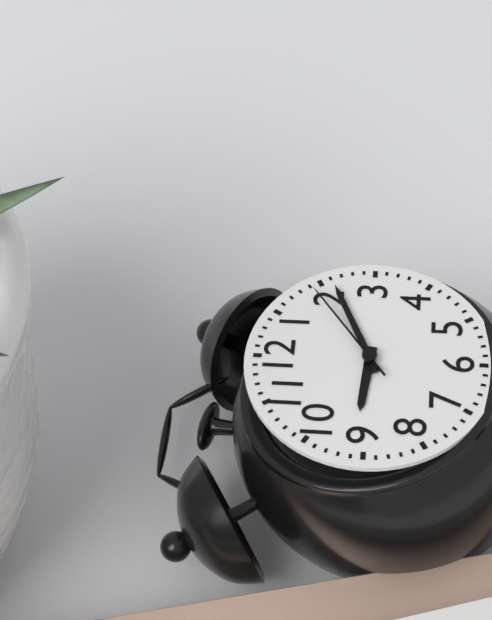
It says 9.11.09
